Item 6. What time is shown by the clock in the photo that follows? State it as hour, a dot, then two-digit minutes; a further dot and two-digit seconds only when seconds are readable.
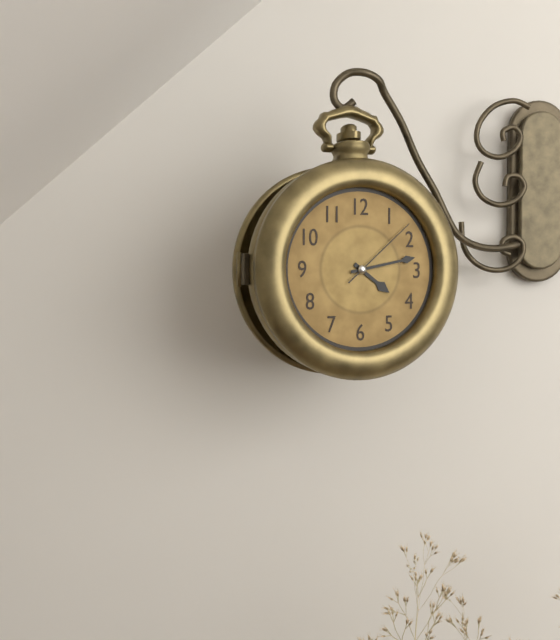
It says 4.13.08
